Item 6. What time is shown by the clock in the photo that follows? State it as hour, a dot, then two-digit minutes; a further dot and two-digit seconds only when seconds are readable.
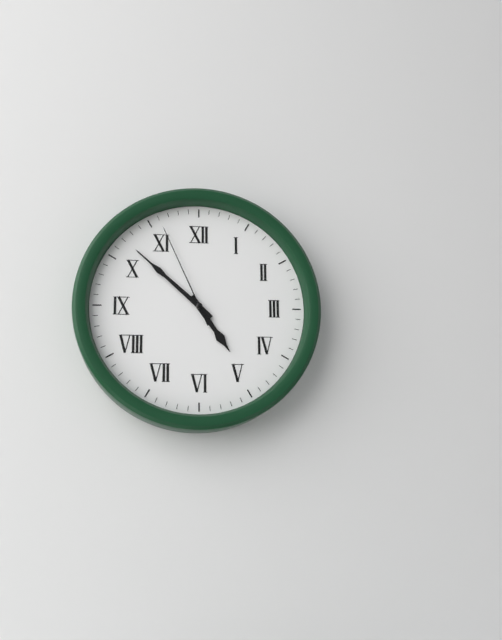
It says 4.52.56
